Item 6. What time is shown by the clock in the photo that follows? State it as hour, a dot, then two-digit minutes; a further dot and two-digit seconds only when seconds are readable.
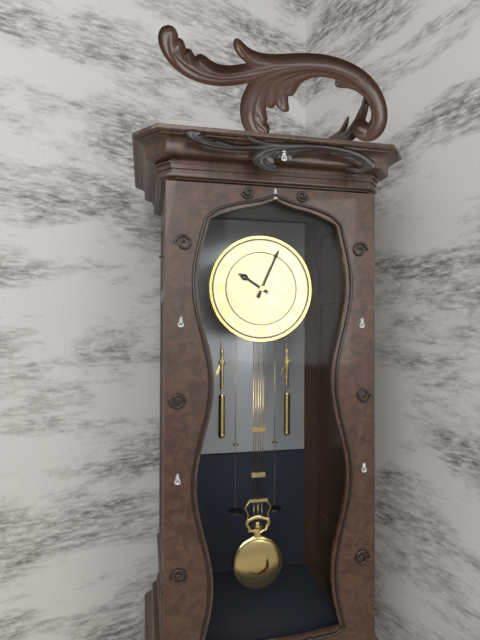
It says 10.04
